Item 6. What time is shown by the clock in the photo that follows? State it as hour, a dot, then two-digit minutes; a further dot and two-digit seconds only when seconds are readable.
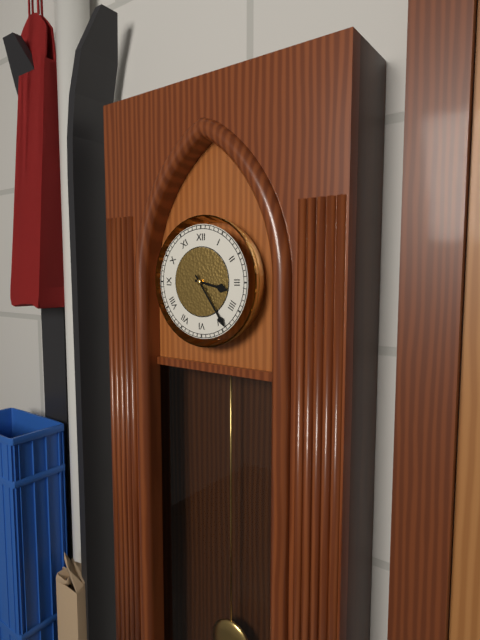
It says 3.24
